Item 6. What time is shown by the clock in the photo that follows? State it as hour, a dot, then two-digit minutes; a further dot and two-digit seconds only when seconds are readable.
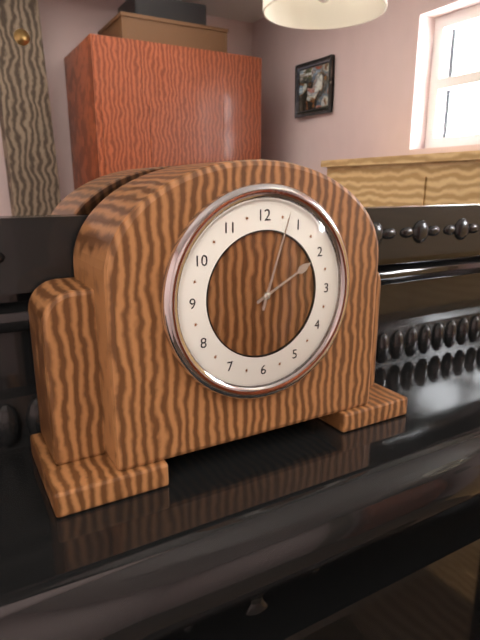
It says 2.03
